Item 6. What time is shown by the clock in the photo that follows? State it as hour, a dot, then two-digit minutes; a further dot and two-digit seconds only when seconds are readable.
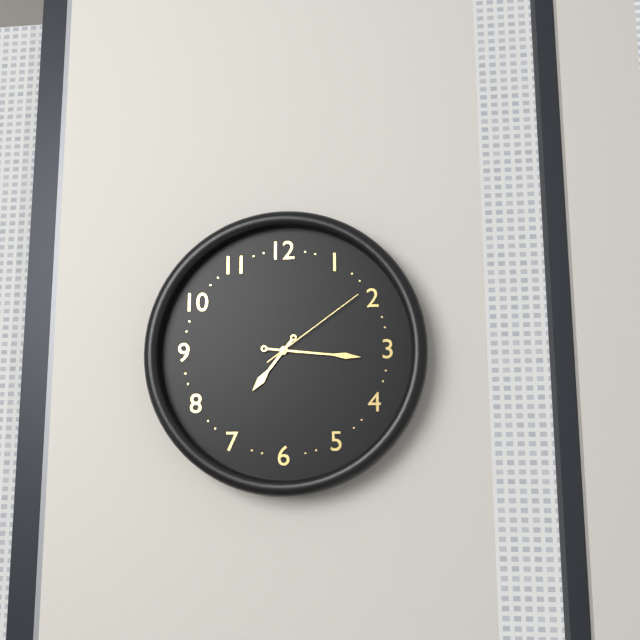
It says 7.16.09
